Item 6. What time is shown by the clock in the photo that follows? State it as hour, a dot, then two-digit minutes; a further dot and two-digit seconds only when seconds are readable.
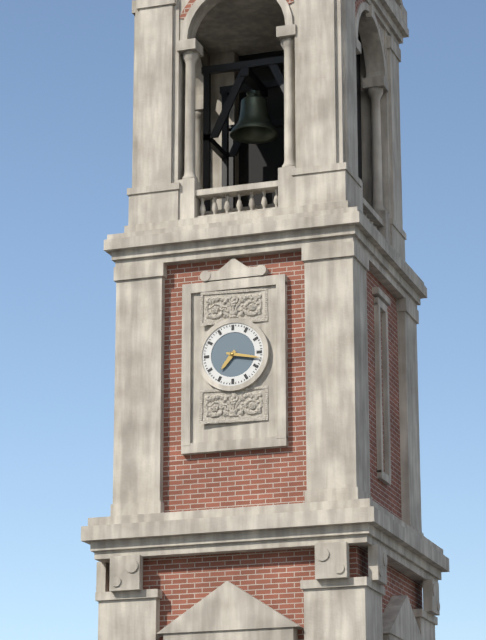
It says 7.17
